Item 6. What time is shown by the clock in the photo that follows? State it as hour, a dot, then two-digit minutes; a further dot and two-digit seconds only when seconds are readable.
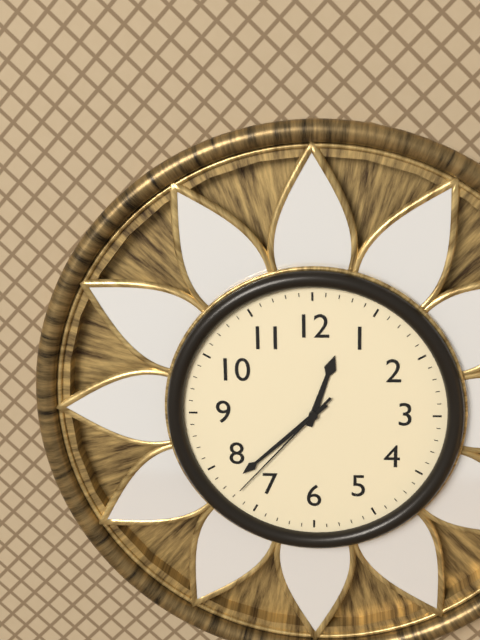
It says 12.38.37
